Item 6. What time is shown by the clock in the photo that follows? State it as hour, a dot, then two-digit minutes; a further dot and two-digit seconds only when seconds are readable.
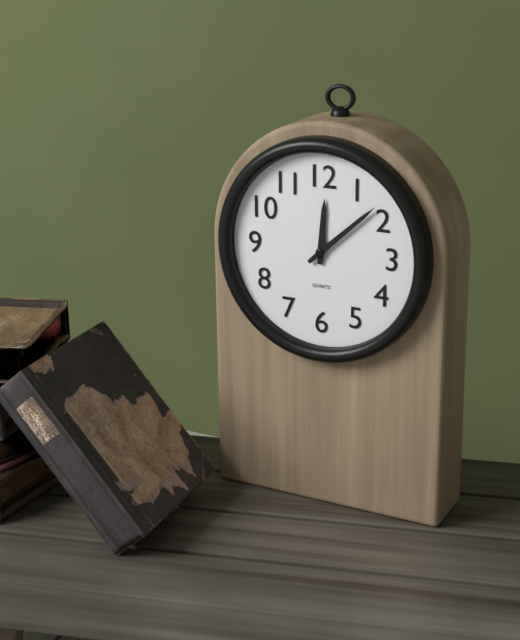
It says 12.08
